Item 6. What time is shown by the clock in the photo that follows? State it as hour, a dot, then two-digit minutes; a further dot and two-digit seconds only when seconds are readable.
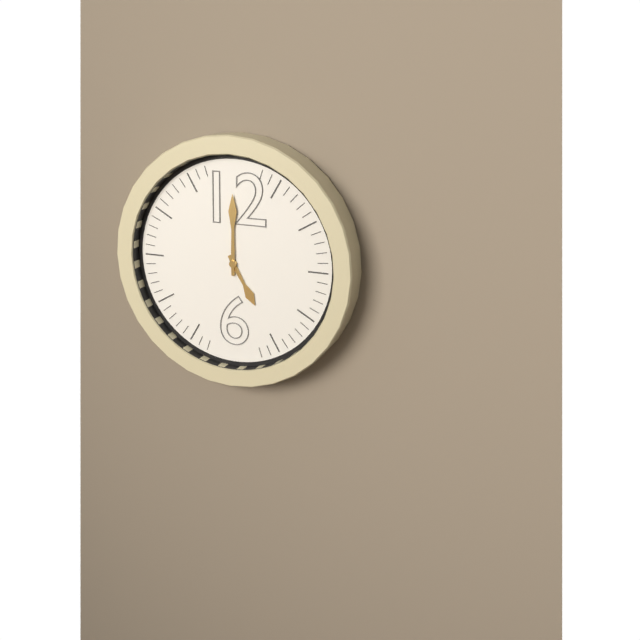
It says 5.00
